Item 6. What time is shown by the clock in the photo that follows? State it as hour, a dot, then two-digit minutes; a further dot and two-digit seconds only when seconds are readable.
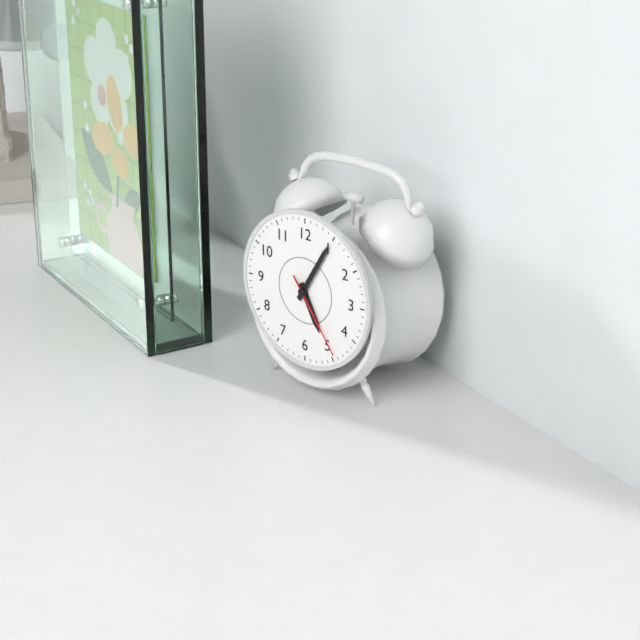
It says 5.05.24
